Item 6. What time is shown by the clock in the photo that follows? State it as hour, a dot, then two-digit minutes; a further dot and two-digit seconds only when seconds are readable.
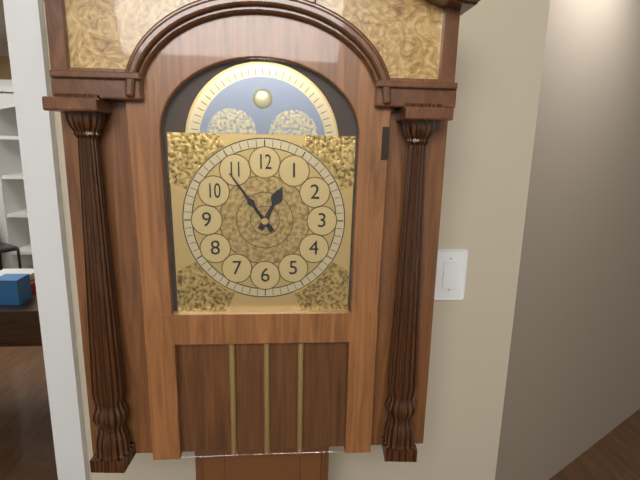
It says 12.54
